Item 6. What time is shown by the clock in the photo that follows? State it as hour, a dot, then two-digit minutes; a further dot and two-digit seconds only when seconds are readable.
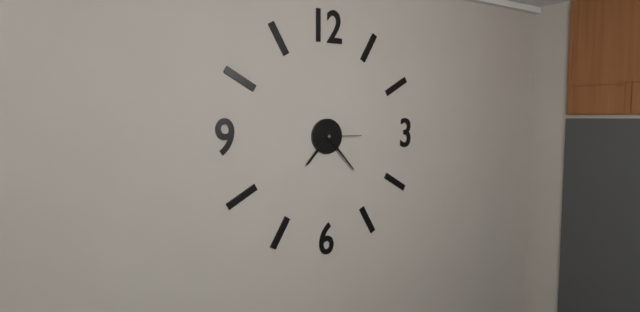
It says 7.23
